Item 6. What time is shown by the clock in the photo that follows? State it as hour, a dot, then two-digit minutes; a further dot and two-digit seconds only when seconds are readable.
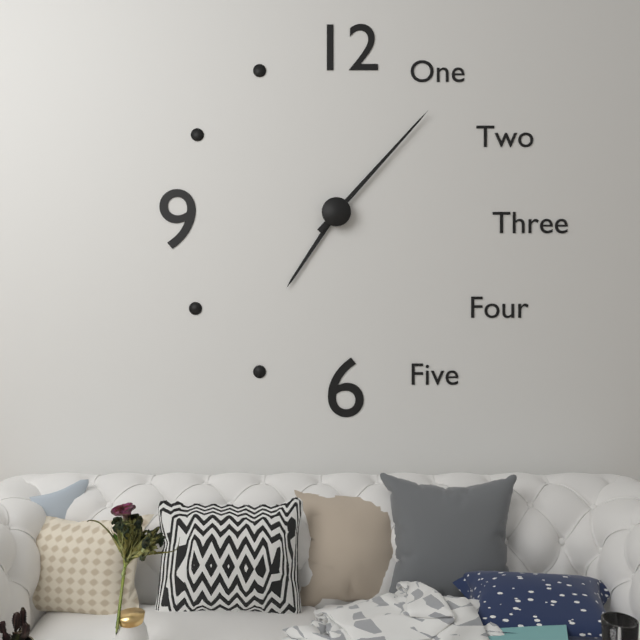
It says 7.07
